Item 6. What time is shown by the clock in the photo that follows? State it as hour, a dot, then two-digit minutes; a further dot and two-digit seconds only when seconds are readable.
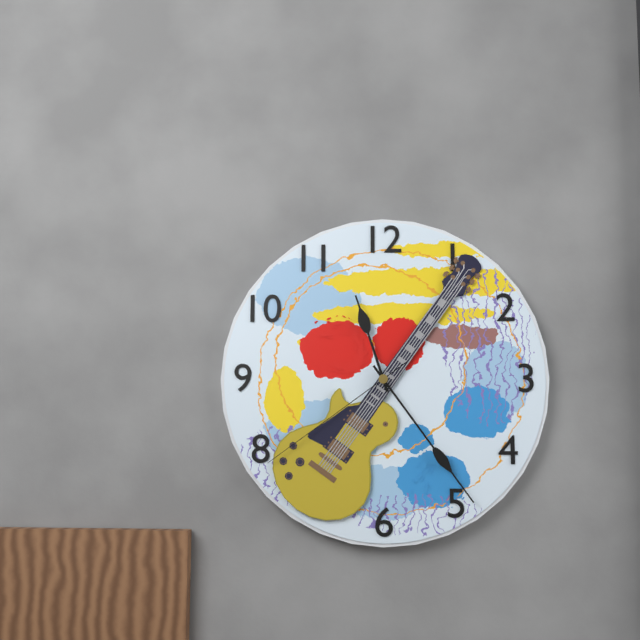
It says 11.24.39
